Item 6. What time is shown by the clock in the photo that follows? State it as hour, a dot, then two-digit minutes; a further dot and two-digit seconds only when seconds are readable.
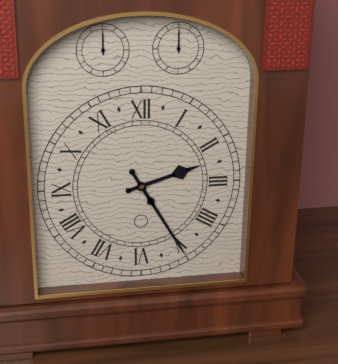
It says 2.25
